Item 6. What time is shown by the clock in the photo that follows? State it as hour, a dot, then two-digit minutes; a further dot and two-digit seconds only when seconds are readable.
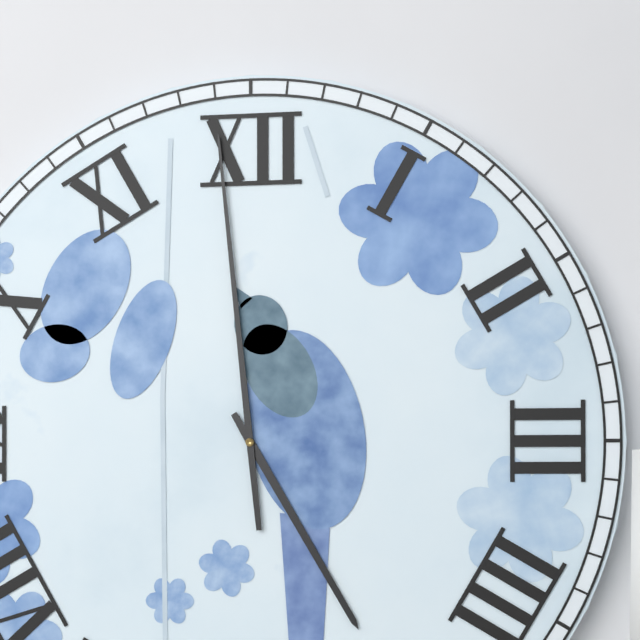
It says 4.59
